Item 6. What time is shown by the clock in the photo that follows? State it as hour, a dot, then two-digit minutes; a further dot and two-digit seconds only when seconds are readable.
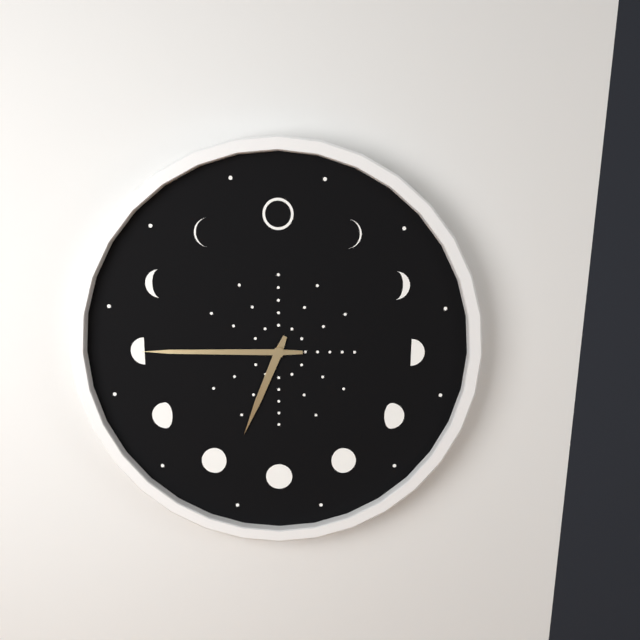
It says 6.45
